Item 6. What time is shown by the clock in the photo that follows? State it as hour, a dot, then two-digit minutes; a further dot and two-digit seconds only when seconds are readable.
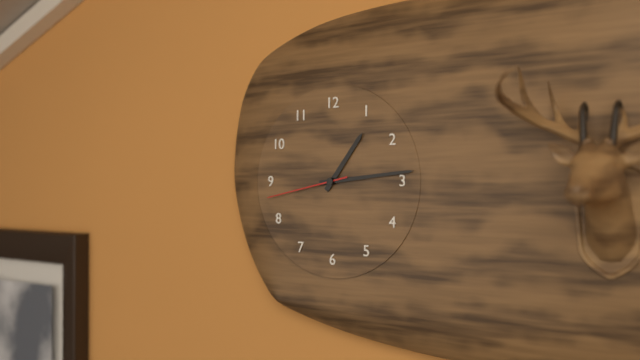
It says 1.14.43
